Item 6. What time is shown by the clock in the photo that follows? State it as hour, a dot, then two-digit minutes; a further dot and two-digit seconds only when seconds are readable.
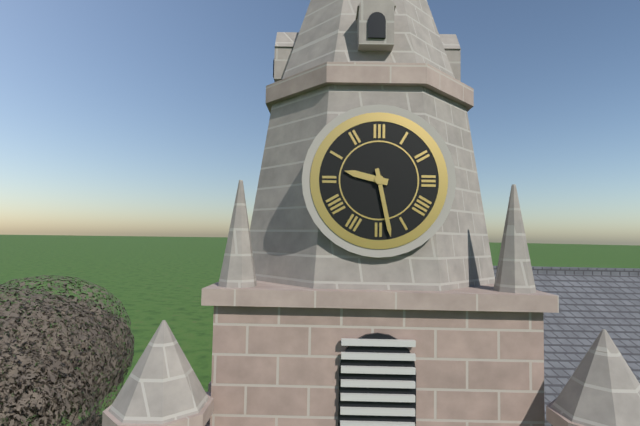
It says 9.28
